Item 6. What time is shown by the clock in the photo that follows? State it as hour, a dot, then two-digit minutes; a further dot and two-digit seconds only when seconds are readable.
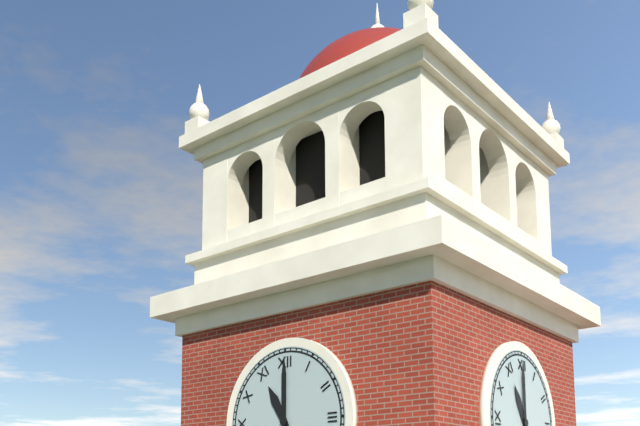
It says 11.00
